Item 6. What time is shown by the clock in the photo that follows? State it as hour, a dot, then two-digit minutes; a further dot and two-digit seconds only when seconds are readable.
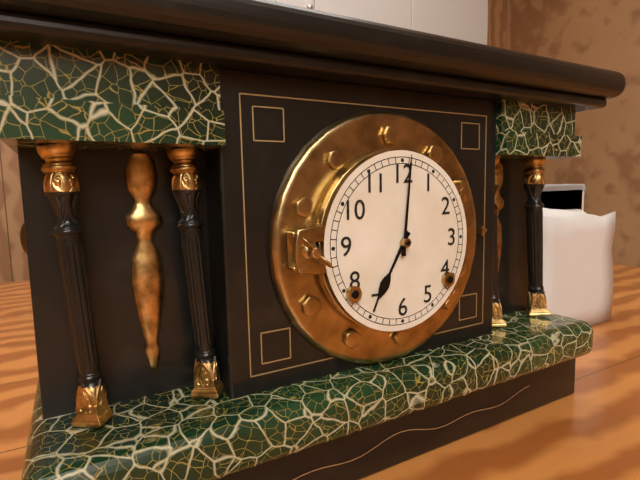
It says 7.01
